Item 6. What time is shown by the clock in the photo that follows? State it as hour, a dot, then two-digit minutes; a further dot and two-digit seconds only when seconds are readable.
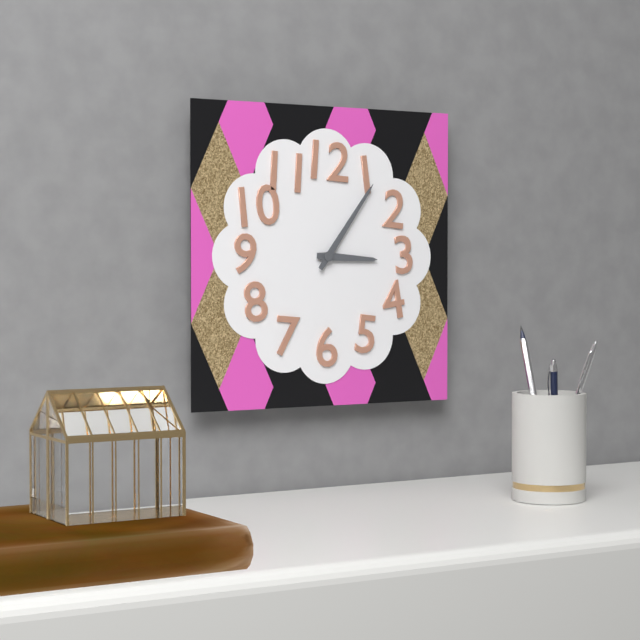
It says 3.06
